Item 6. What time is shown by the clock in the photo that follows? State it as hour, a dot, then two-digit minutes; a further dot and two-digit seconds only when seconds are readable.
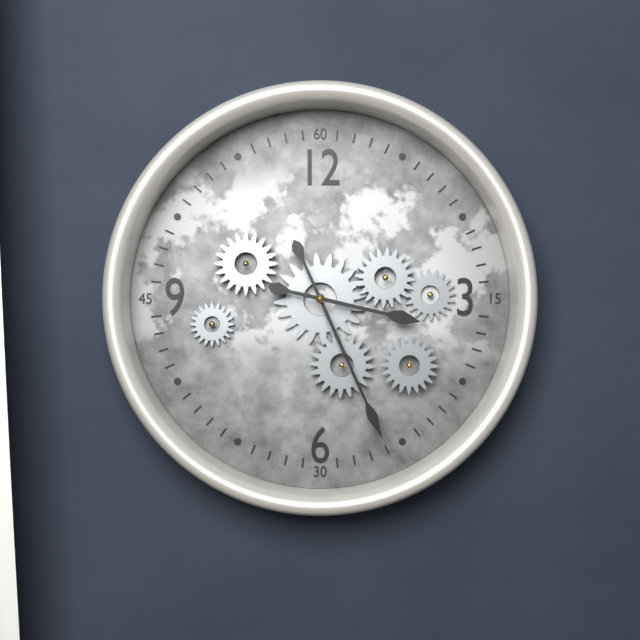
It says 3.26
